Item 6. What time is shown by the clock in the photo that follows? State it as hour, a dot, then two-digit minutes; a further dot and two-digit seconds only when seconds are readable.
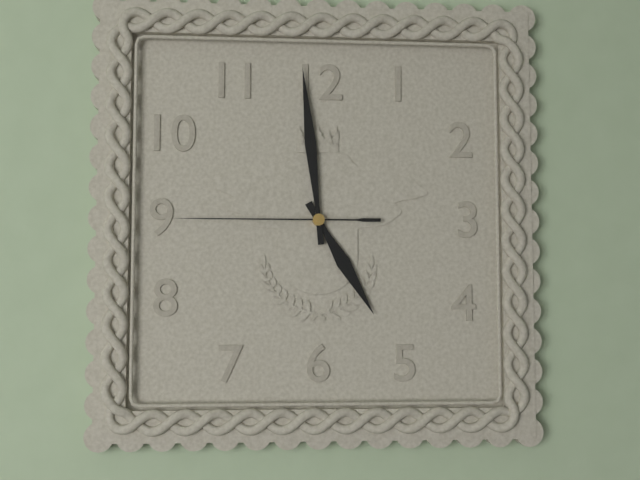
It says 4.59.45
